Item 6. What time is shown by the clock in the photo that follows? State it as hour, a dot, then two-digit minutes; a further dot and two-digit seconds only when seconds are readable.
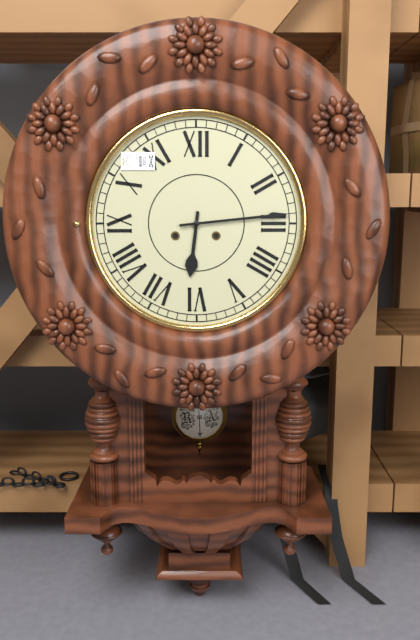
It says 6.14
